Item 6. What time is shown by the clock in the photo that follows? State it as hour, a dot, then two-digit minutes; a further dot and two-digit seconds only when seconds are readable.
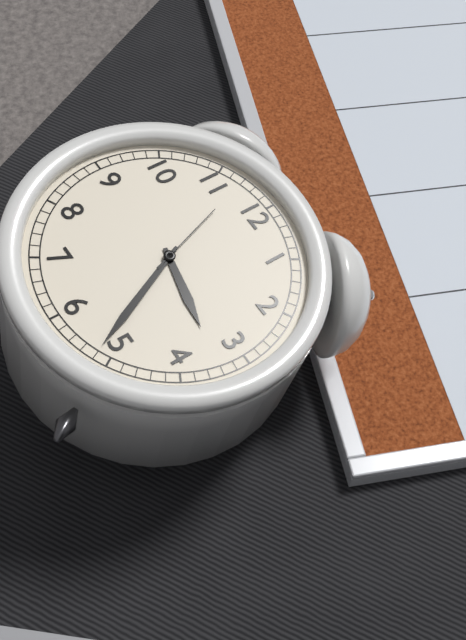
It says 3.26.57
